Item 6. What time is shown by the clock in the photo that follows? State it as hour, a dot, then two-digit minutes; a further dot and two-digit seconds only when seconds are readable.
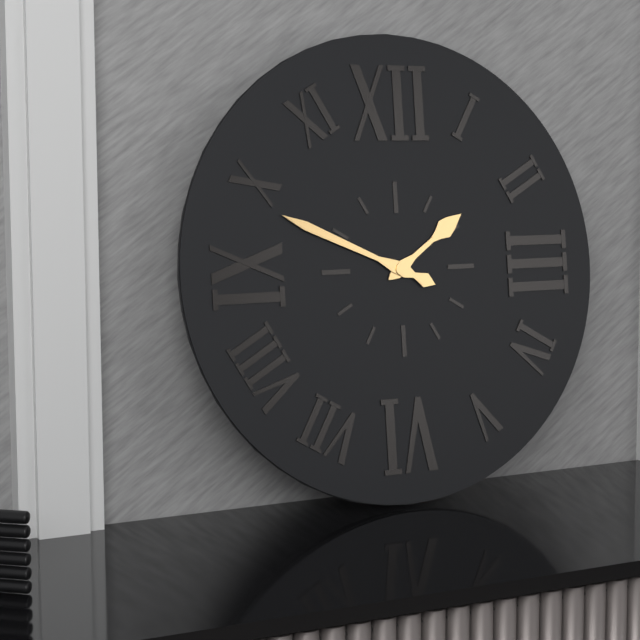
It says 1.49
